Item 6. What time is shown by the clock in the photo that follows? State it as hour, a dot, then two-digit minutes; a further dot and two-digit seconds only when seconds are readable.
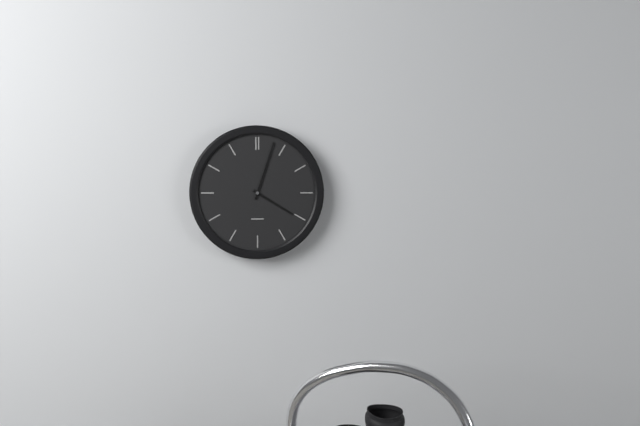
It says 4.03
